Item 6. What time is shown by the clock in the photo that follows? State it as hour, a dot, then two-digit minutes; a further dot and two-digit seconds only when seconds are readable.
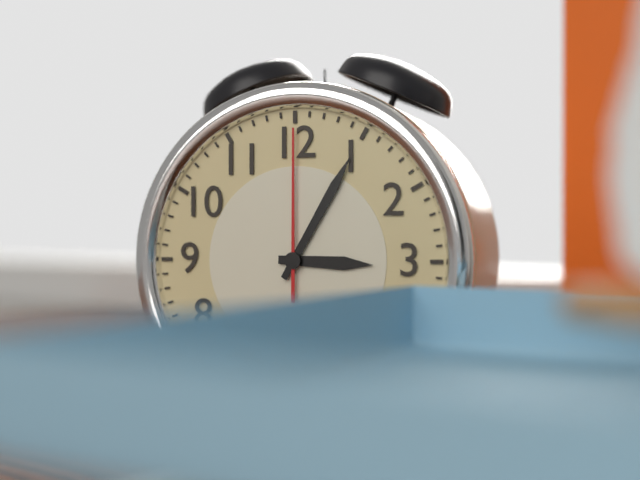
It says 3.05.00
